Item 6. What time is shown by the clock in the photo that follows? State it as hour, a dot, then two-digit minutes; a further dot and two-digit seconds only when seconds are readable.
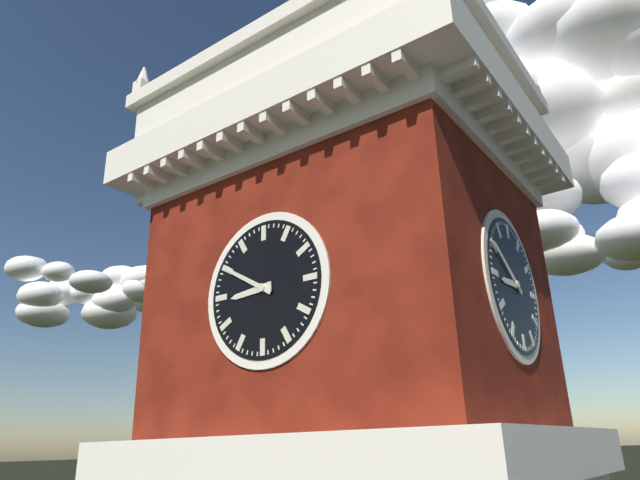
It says 8.50
